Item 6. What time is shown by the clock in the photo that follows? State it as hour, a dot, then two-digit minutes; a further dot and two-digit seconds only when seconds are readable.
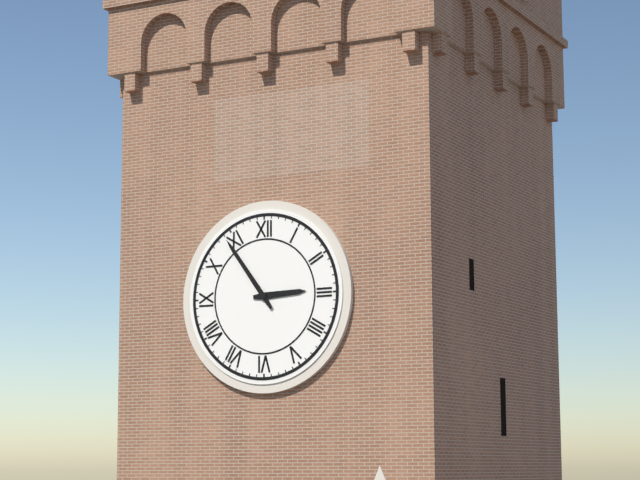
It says 2.54
